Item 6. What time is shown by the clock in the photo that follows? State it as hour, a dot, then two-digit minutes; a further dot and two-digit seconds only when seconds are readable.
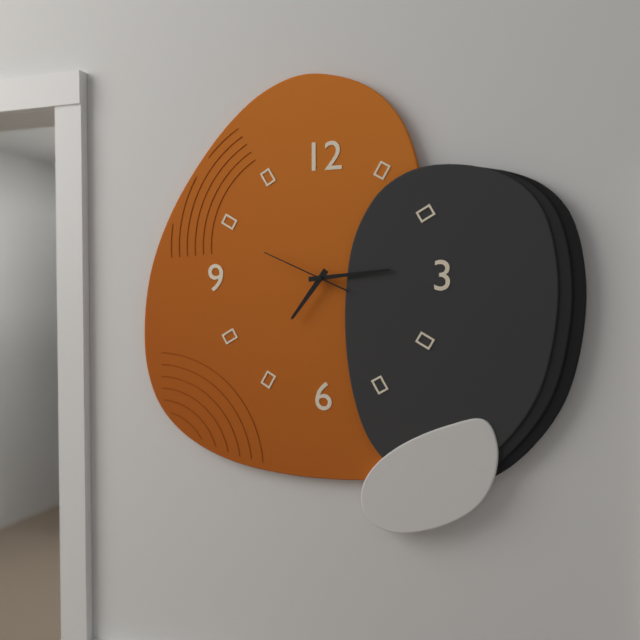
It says 7.14.49
